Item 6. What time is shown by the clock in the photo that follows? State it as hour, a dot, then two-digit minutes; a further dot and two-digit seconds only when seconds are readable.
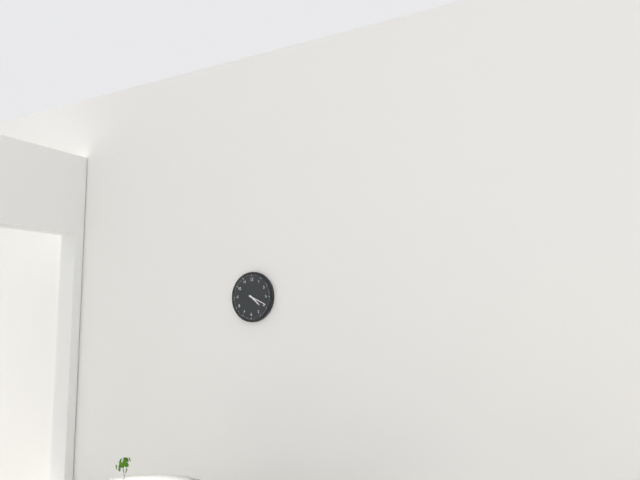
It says 4.19
